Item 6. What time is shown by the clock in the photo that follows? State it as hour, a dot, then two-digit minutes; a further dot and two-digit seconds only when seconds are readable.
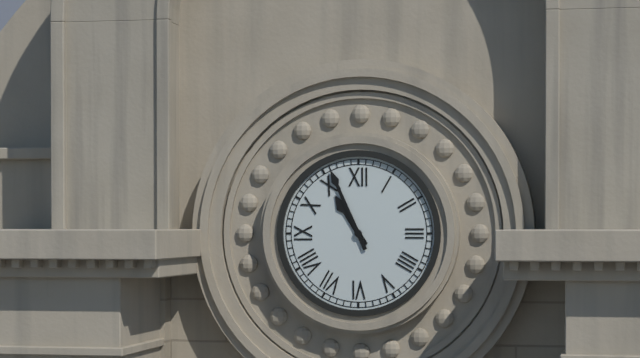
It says 10.56
